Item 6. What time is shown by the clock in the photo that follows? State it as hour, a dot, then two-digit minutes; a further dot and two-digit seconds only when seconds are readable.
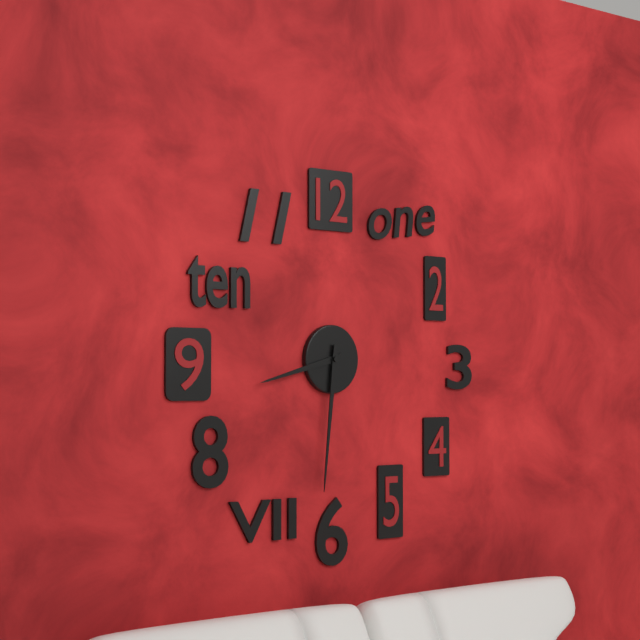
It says 8.31
